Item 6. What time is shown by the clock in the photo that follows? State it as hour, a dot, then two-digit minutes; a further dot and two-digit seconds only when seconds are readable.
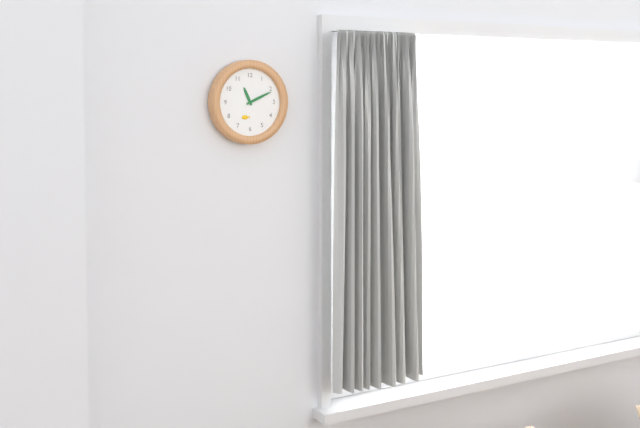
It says 11.11
